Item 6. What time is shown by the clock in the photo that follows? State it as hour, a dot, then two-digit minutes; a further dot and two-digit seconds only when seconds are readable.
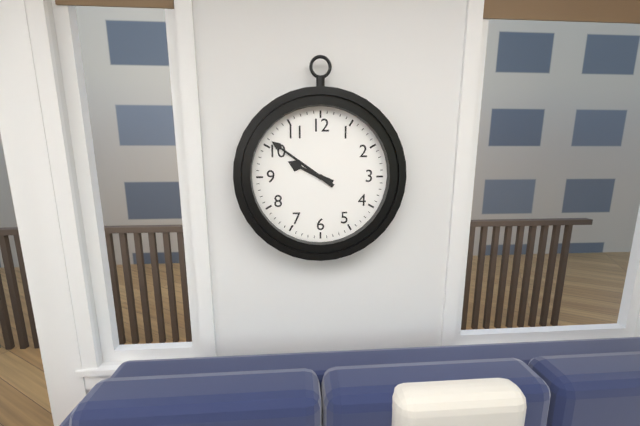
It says 9.51
